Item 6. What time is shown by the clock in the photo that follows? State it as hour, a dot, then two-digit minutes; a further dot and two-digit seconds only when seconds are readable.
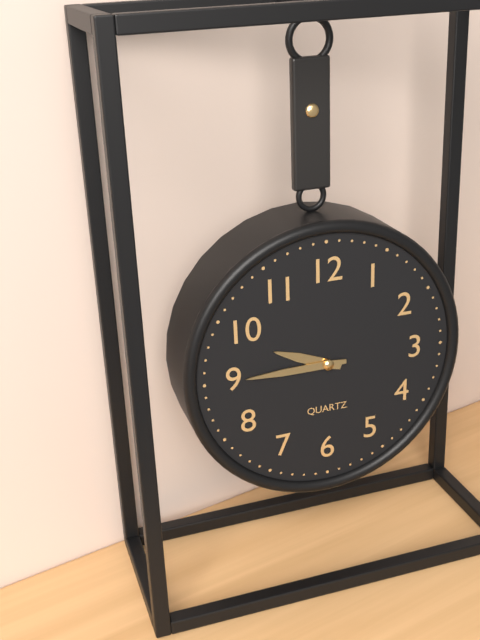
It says 9.45
